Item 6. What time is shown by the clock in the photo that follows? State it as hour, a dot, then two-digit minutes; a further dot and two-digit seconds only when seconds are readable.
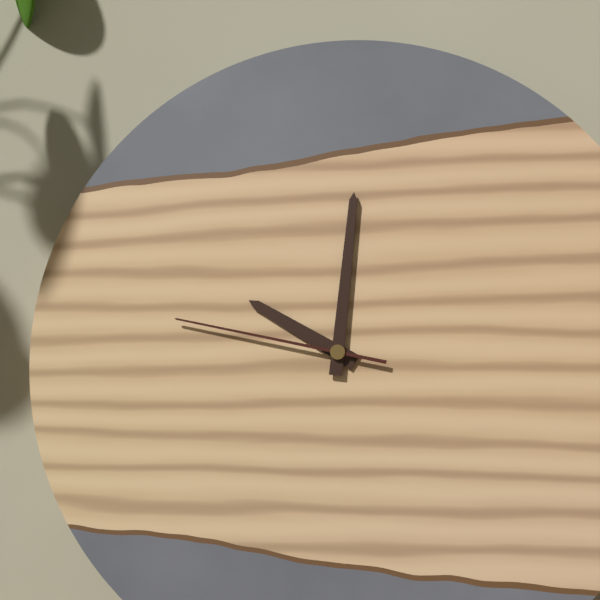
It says 10.01.47
